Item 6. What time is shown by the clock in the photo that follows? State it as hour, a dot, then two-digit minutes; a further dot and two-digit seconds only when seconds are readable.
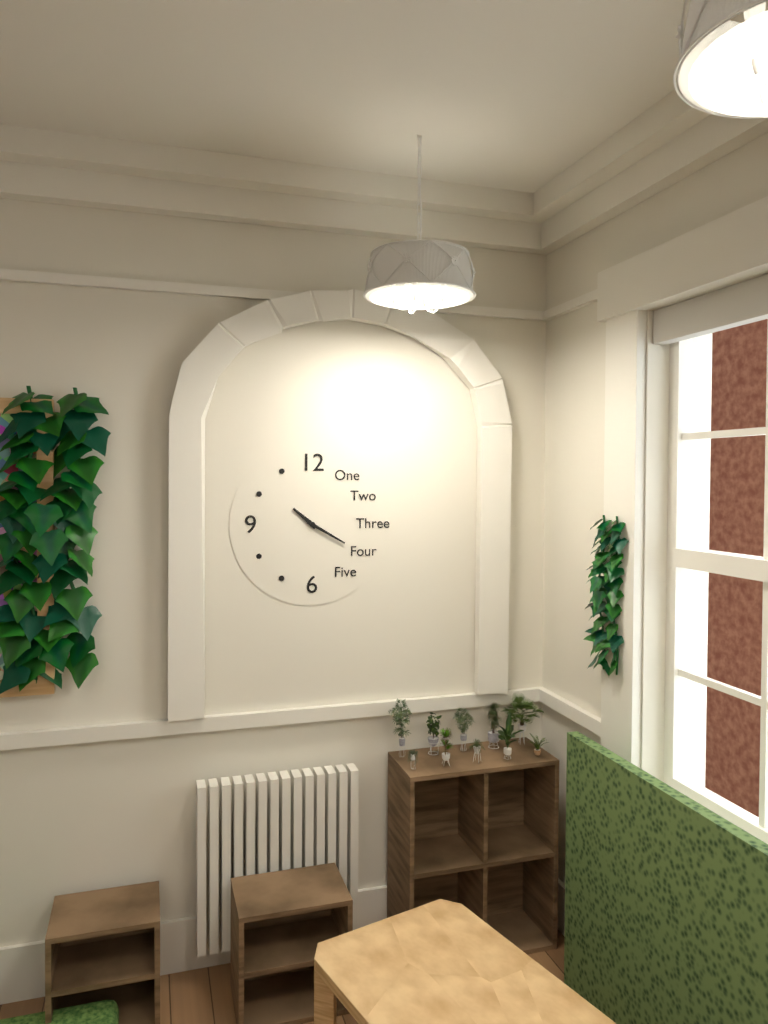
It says 10.20
